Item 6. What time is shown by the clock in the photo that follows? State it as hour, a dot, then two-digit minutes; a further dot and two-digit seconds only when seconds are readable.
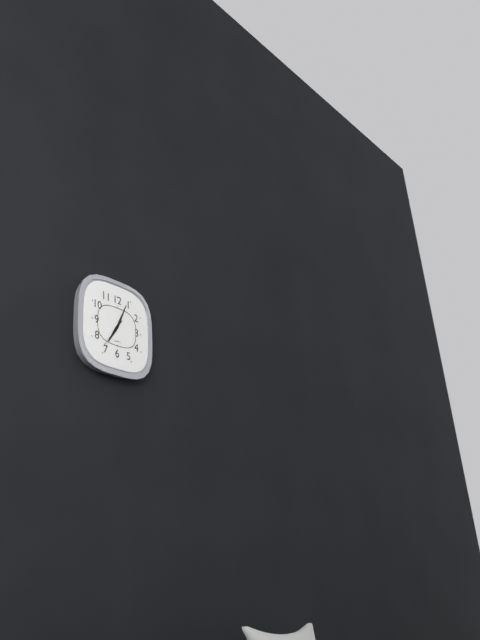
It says 7.04
